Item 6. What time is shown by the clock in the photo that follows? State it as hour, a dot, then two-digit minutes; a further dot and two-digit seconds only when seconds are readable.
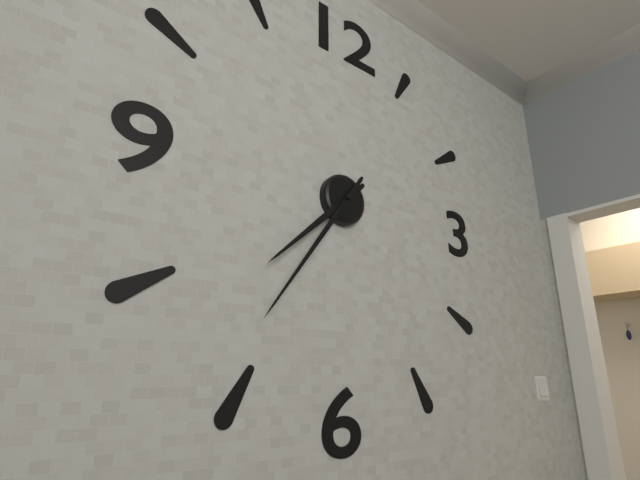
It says 7.36
